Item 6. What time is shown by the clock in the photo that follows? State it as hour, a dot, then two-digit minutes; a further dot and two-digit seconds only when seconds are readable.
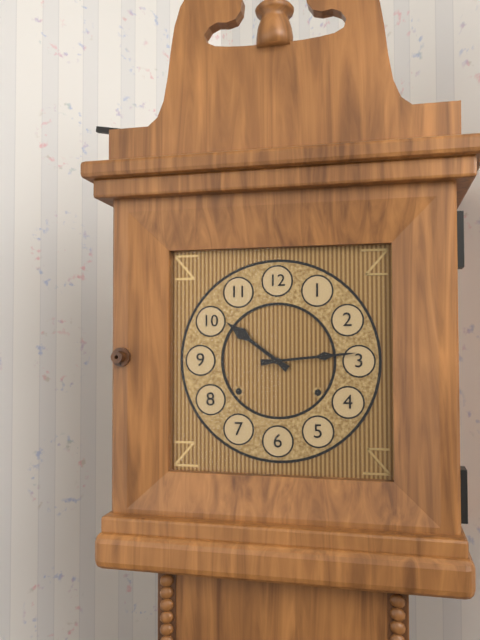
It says 10.14
